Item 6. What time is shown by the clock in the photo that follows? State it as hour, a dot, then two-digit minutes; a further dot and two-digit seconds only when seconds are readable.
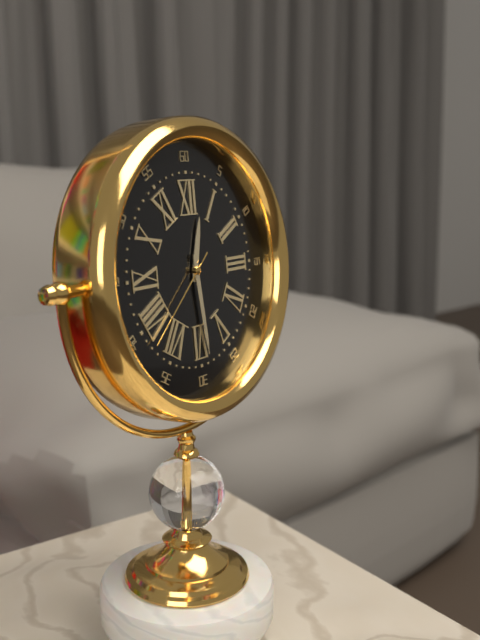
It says 12.29.38
